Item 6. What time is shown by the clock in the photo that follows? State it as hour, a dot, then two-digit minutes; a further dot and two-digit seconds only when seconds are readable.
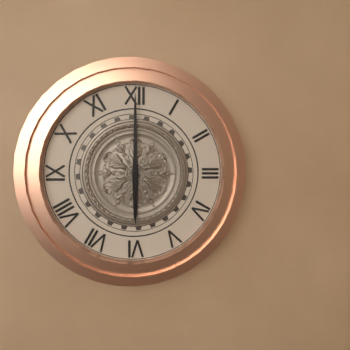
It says 6.00
